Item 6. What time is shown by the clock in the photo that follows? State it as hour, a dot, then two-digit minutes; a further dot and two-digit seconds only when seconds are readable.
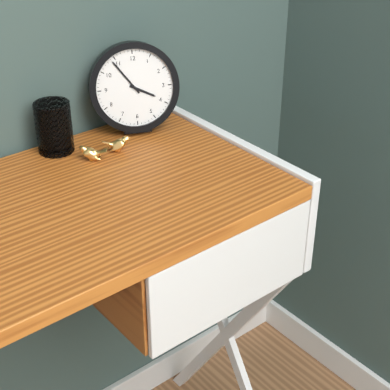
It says 3.54
